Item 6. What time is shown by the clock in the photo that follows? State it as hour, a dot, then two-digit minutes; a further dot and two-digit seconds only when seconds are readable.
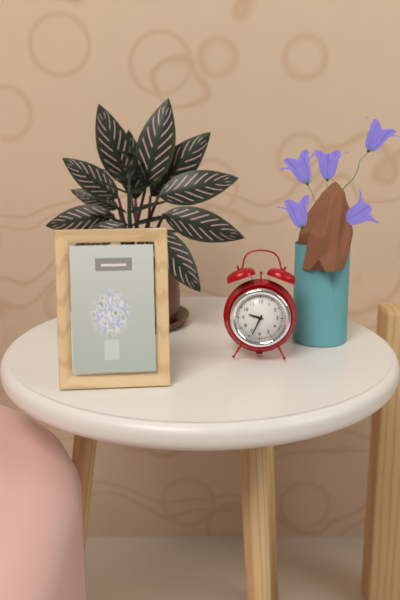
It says 9.34
